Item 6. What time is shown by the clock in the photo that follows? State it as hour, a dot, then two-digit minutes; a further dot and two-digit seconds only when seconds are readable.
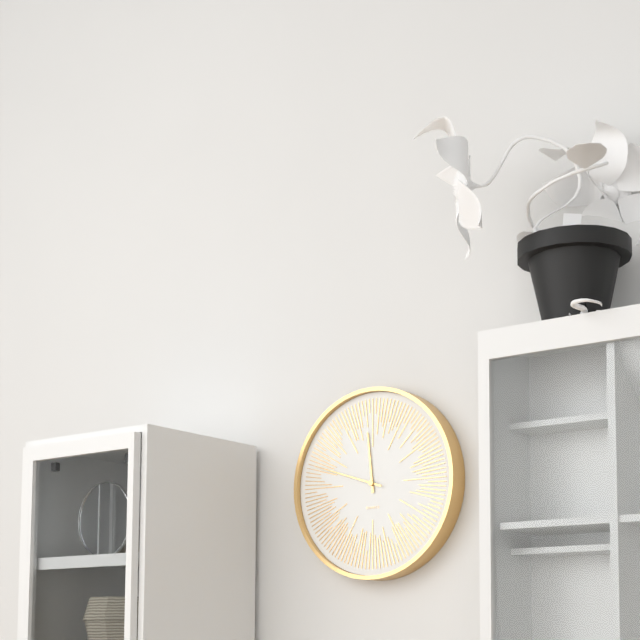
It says 11.48
